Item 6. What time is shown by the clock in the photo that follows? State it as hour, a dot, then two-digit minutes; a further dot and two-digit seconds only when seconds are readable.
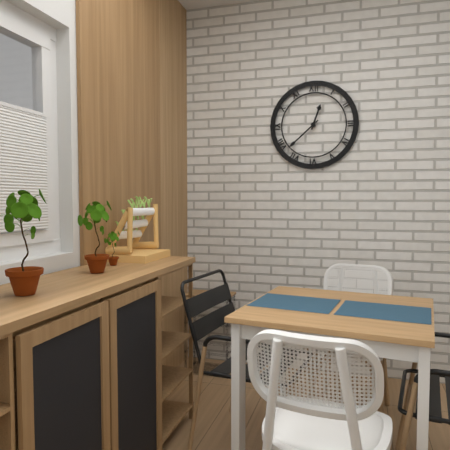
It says 12.38
